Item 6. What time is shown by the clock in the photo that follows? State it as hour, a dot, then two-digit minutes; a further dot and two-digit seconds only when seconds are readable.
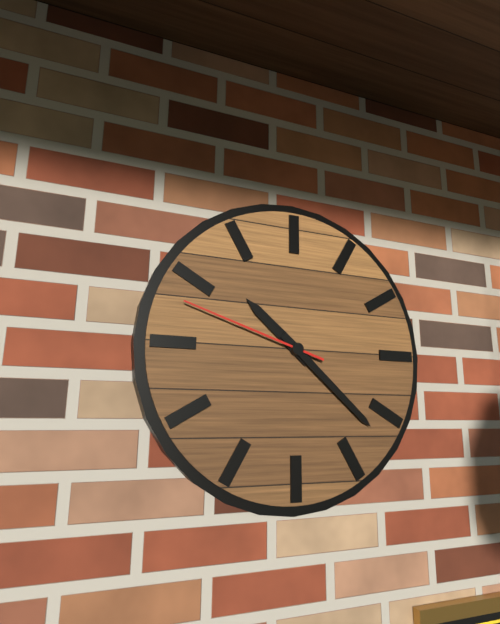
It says 10.22.48
